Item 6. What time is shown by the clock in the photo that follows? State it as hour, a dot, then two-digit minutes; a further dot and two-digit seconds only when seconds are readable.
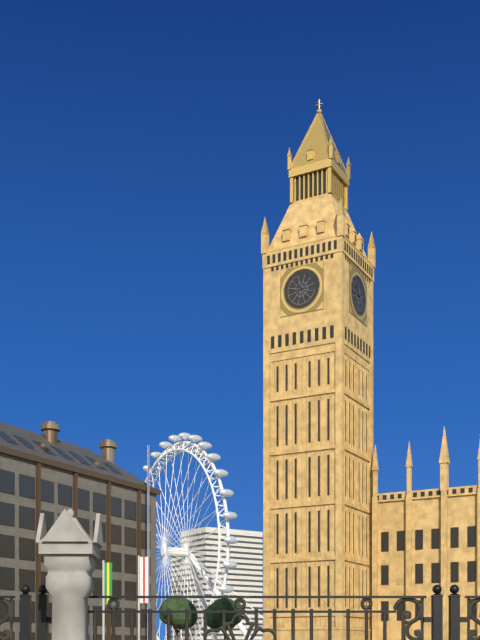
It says 10.44
